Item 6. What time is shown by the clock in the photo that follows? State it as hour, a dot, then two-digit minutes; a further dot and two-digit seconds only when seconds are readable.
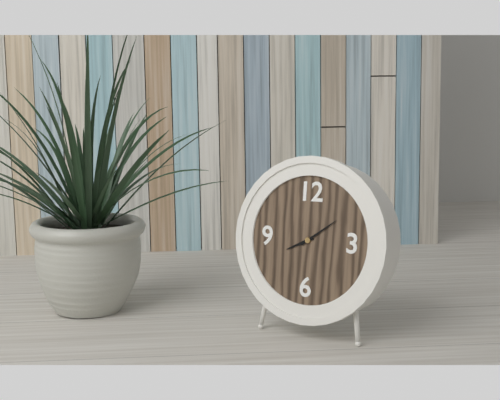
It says 8.09
